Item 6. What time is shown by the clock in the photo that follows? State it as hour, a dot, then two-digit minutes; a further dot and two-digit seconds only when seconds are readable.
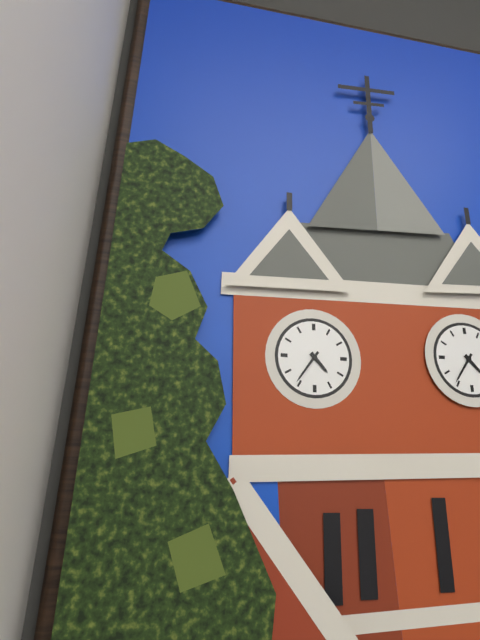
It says 4.36
